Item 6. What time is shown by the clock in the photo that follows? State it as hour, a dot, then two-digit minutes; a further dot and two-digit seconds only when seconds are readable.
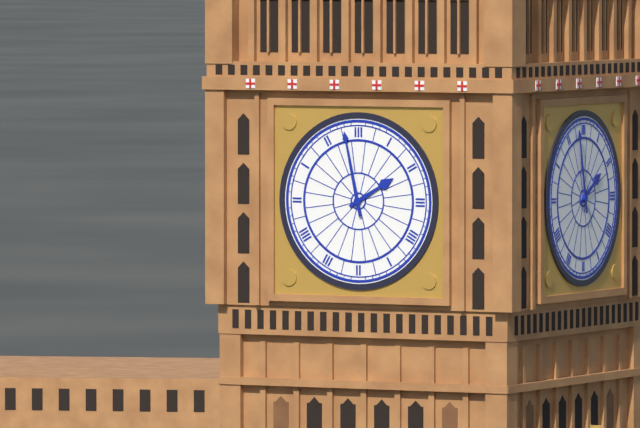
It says 1.58
